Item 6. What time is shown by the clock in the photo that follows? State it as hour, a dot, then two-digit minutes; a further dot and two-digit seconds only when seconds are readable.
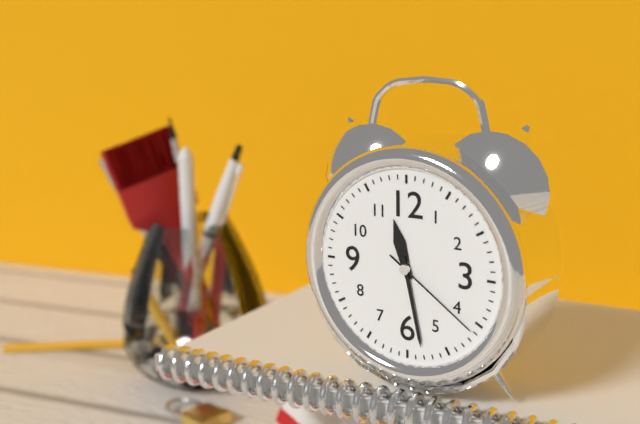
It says 11.28.21
